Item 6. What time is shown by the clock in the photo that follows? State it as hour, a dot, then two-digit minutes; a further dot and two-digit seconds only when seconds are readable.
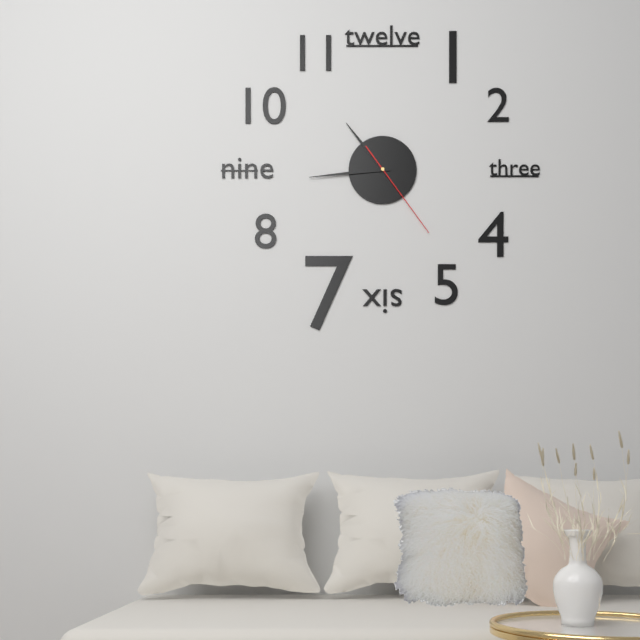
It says 10.44.24
